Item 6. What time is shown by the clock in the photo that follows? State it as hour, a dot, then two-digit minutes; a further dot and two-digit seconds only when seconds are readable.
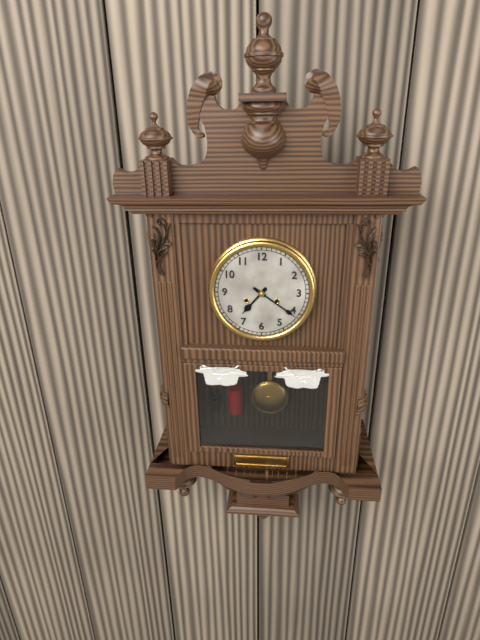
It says 7.21
